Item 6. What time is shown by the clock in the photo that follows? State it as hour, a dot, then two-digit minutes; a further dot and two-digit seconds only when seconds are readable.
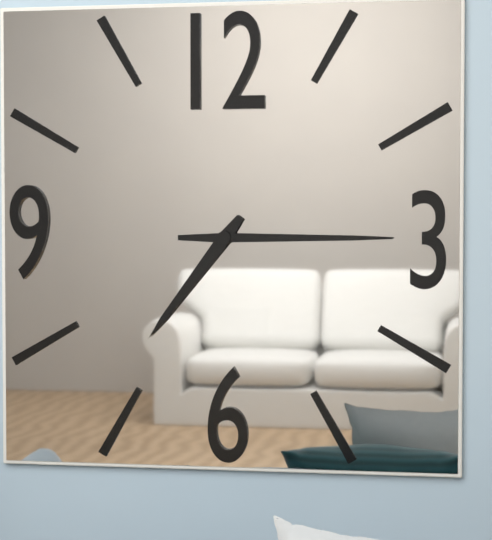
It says 7.15
